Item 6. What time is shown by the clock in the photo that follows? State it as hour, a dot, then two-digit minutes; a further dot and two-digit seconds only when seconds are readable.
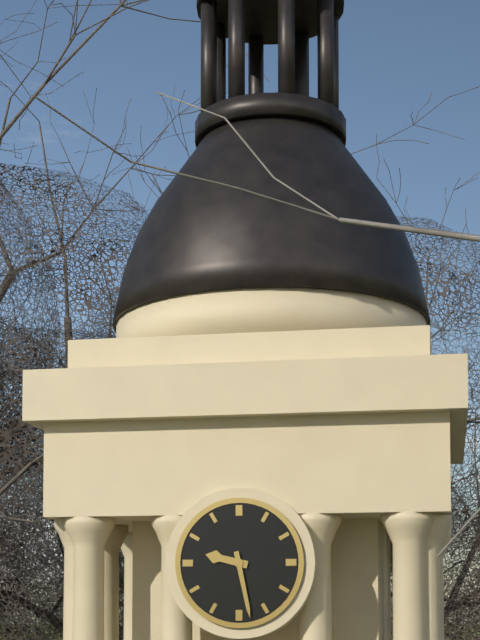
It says 9.28
